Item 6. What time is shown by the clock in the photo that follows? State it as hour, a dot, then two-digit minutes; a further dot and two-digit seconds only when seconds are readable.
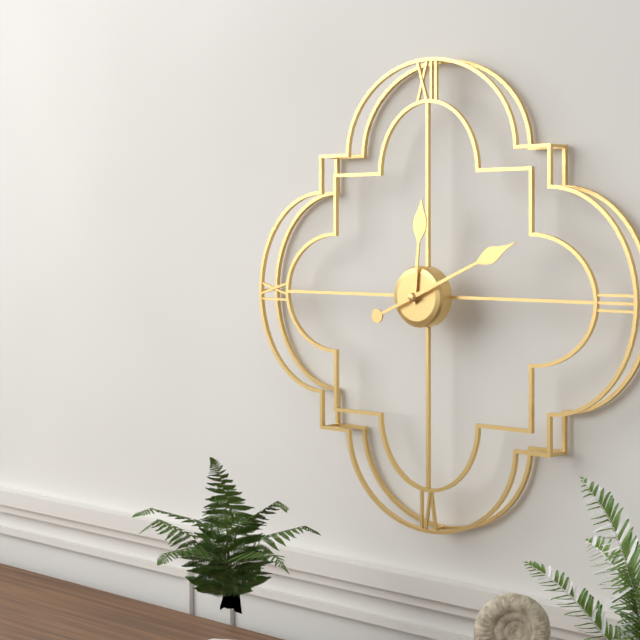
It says 12.11
